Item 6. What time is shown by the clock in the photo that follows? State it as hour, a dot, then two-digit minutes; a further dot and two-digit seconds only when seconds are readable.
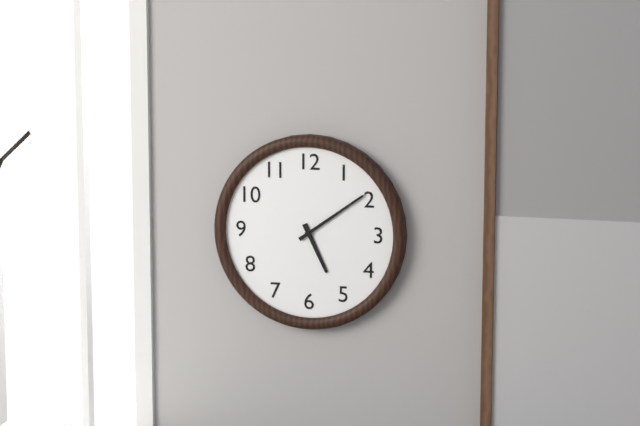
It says 5.09
